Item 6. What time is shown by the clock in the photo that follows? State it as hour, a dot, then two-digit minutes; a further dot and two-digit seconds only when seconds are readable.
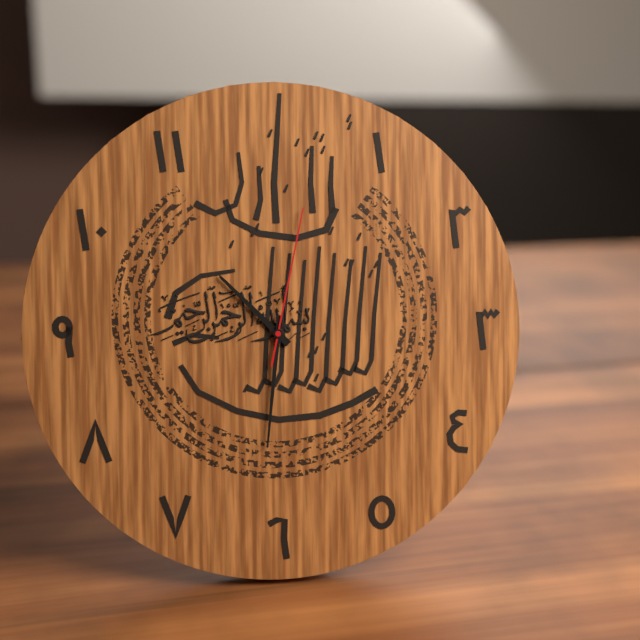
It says 10.31.02
